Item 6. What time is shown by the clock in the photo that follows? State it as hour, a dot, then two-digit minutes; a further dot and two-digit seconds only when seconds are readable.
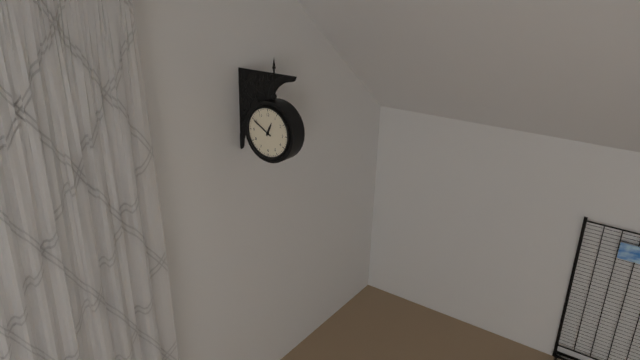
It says 12.50
